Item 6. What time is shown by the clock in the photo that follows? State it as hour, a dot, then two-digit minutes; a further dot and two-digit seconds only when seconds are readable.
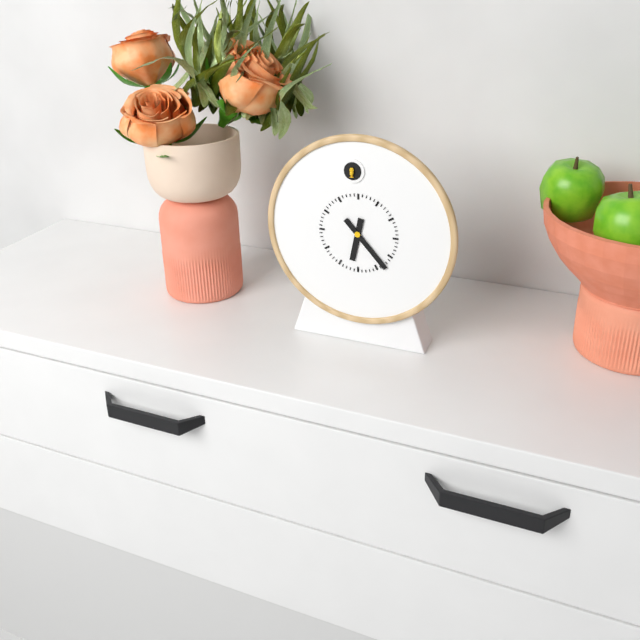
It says 6.23
